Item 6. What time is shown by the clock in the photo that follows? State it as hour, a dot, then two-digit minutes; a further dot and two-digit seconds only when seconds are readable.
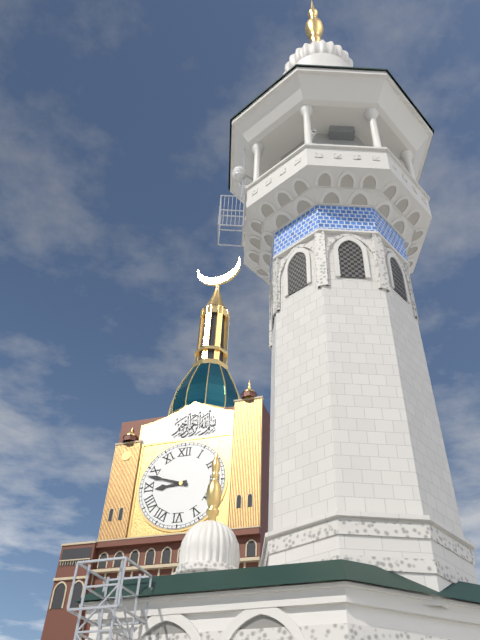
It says 8.48
